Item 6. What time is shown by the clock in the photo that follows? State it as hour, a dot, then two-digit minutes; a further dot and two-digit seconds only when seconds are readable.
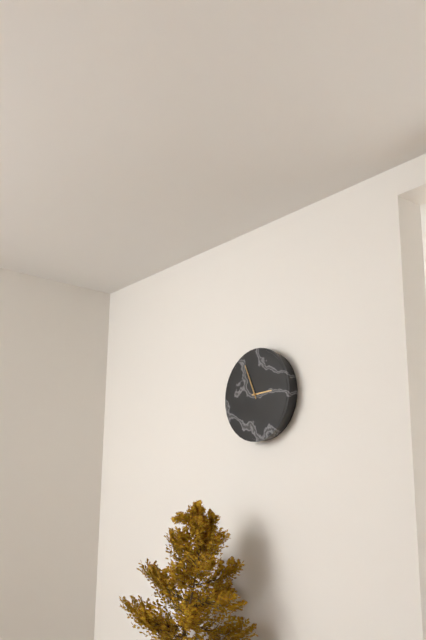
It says 2.56
